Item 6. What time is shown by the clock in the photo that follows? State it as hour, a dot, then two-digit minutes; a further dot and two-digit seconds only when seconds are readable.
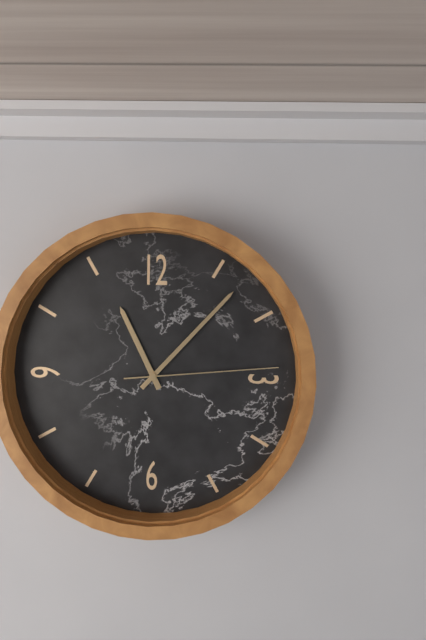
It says 11.07.14
